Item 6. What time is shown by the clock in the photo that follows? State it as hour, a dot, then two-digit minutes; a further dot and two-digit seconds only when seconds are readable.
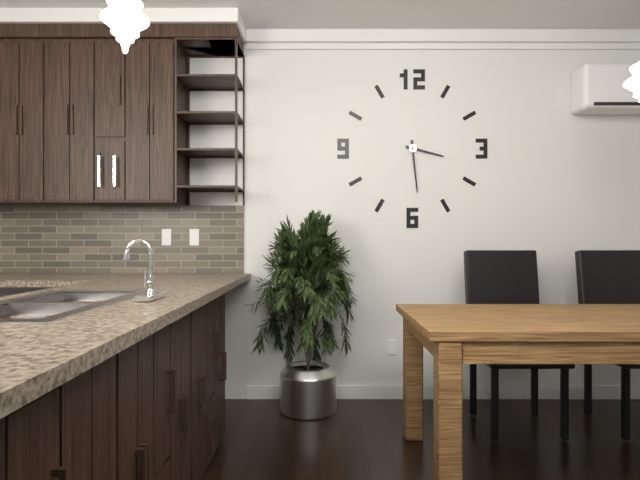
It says 3.29
